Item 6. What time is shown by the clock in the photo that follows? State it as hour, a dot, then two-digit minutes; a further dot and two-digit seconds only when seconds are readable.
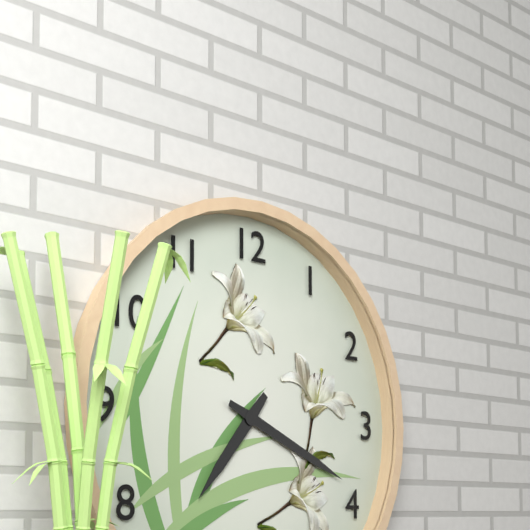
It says 7.19
